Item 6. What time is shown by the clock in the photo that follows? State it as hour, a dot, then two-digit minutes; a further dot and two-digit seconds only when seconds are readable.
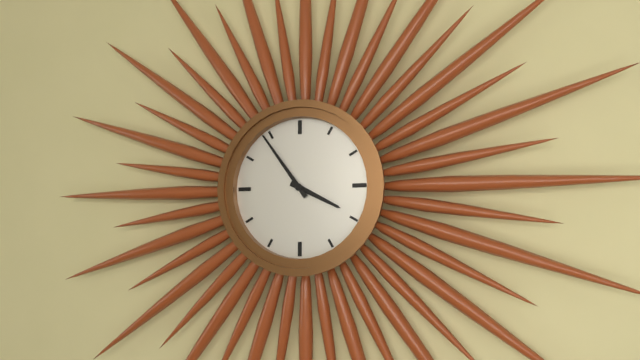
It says 3.54
